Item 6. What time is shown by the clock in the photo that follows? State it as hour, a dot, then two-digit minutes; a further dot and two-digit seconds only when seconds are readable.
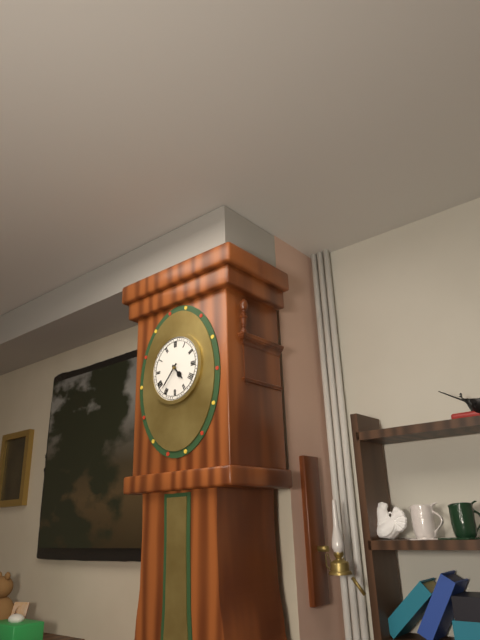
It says 4.37
